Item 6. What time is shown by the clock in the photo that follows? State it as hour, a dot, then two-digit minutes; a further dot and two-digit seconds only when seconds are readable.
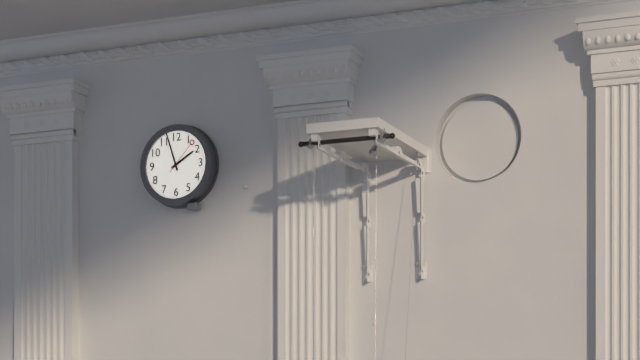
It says 1.57
